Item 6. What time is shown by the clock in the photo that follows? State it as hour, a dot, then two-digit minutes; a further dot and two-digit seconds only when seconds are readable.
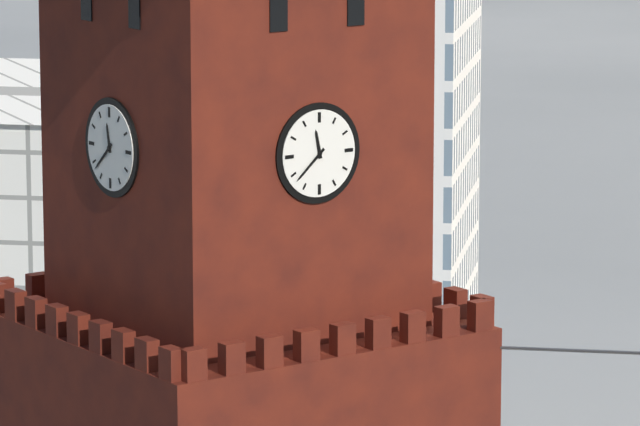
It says 11.38
